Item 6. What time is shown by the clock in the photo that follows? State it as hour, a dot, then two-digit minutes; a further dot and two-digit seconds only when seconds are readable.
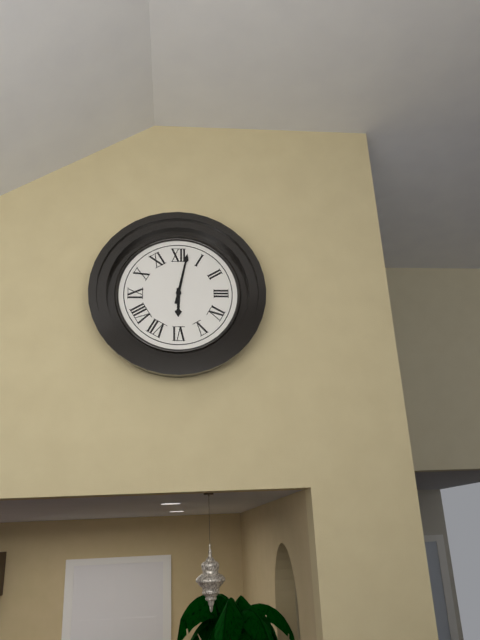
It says 6.02
